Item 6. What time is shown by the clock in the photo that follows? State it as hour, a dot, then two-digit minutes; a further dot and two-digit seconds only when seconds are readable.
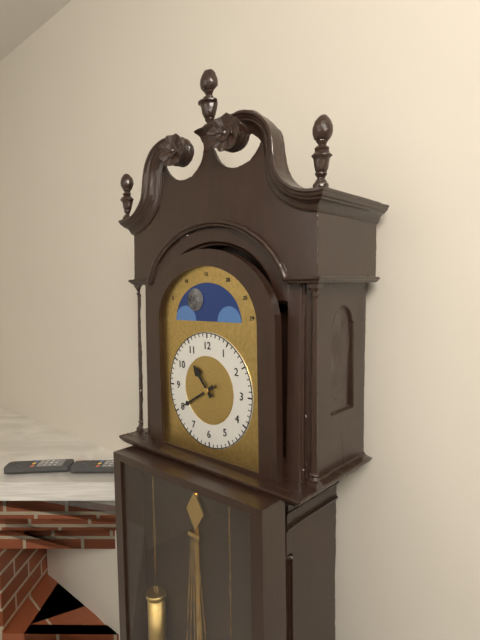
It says 10.40
